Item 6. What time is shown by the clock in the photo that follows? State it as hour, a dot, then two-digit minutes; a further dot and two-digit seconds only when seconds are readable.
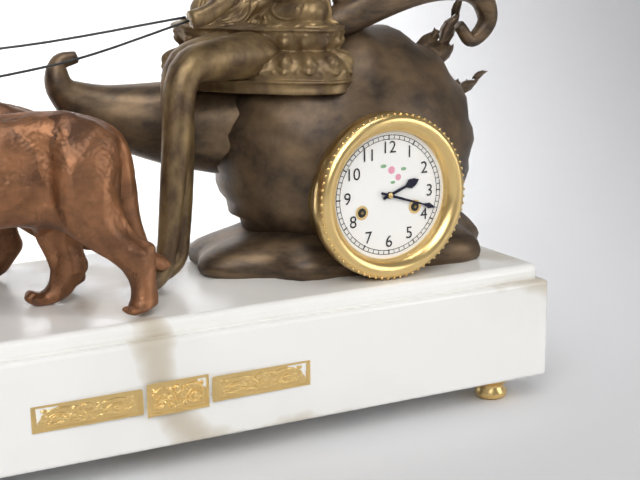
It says 2.18
